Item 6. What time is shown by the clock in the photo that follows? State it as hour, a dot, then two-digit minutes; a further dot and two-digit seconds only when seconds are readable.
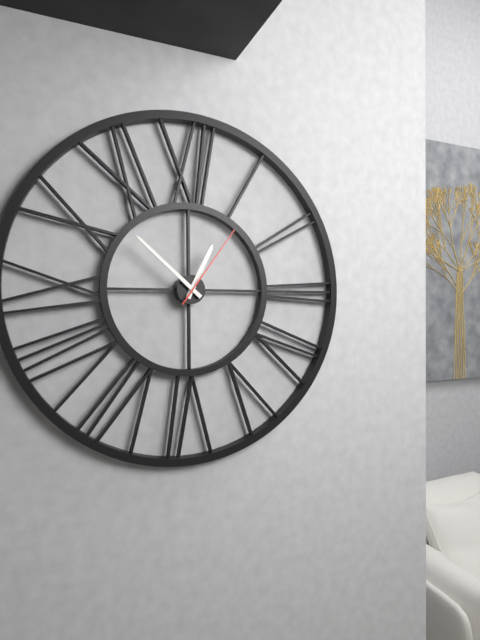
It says 12.52.06
